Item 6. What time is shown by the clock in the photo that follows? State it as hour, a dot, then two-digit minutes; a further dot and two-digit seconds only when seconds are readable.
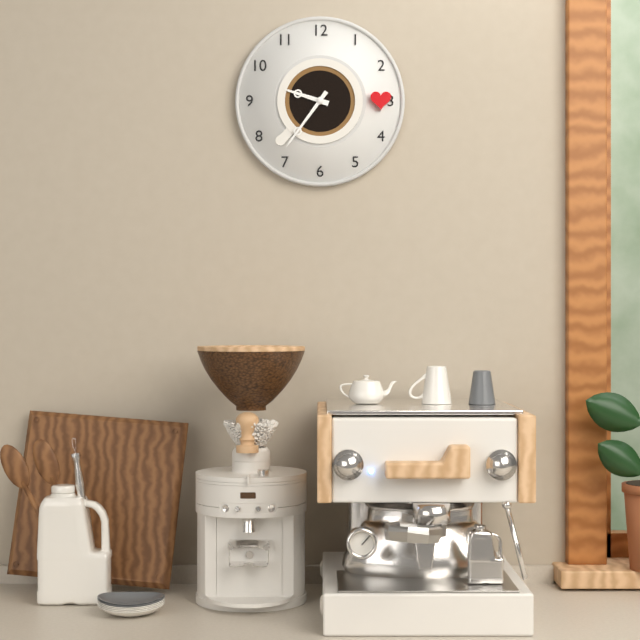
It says 9.36
